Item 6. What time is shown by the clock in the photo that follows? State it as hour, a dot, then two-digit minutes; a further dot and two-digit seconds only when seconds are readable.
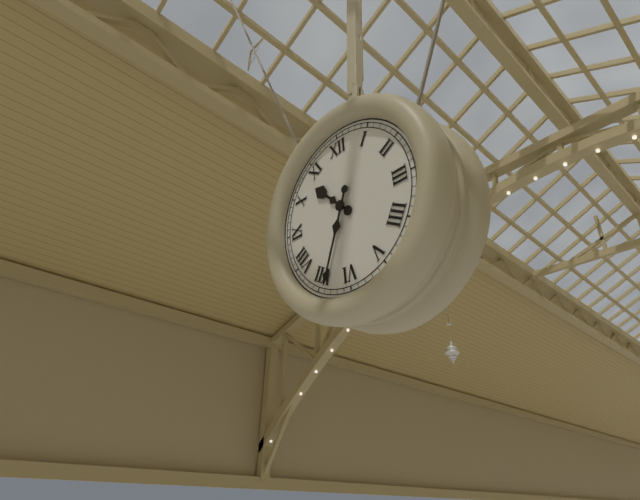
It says 10.34
